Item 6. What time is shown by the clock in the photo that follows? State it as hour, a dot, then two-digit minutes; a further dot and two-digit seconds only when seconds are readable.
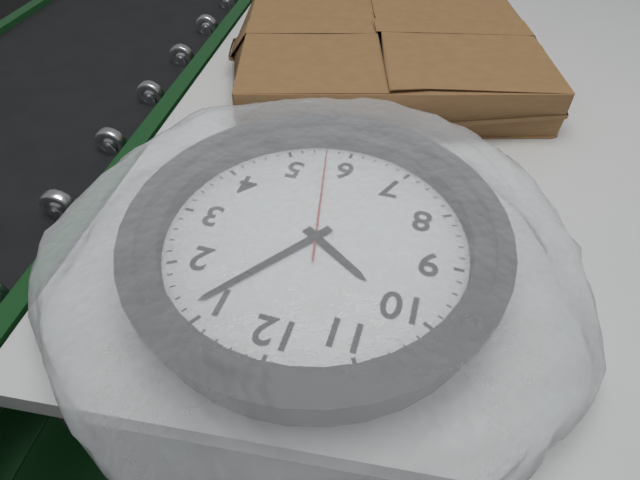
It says 10.06.28
